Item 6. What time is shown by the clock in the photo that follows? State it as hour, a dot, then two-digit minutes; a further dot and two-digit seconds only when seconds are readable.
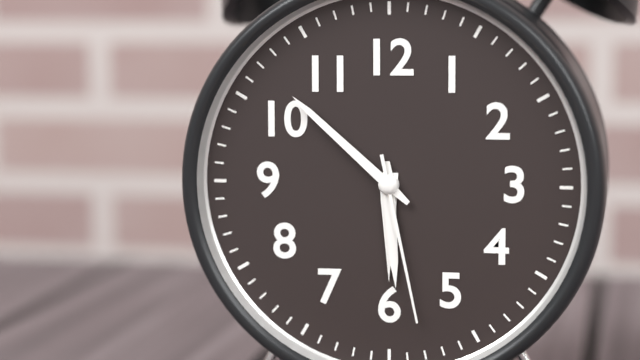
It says 5.52.28
